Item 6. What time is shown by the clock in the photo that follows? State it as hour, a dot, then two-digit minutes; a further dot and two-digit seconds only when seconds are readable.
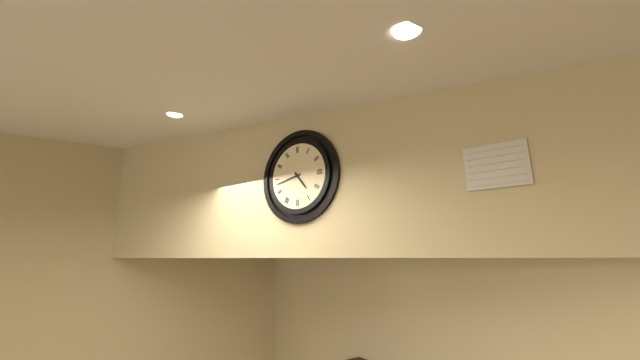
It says 4.43
